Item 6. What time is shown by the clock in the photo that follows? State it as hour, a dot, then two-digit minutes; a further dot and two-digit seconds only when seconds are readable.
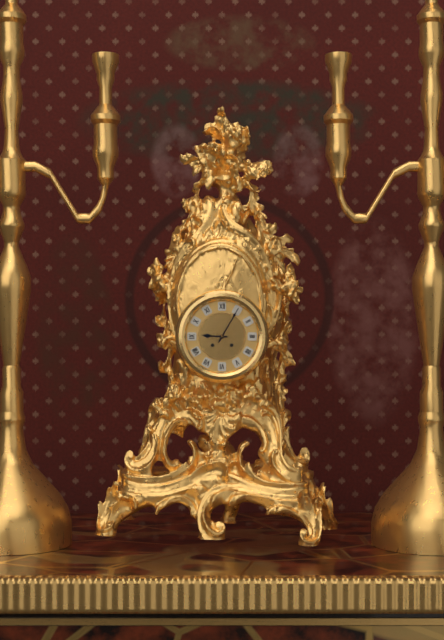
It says 9.05
